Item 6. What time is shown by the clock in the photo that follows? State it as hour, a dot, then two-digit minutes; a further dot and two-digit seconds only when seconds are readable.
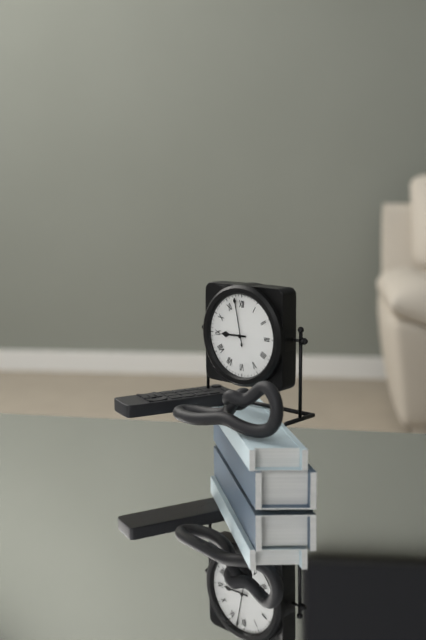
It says 8.58
